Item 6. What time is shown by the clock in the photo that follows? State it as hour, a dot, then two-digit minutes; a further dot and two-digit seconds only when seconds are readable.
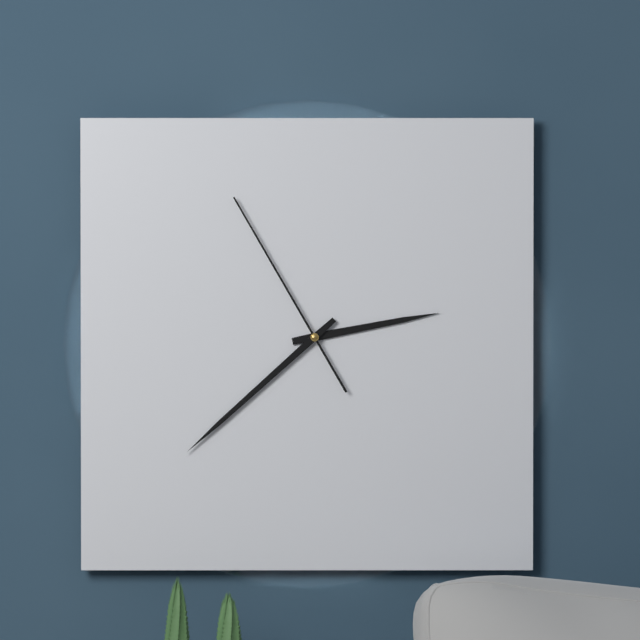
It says 2.38.55
